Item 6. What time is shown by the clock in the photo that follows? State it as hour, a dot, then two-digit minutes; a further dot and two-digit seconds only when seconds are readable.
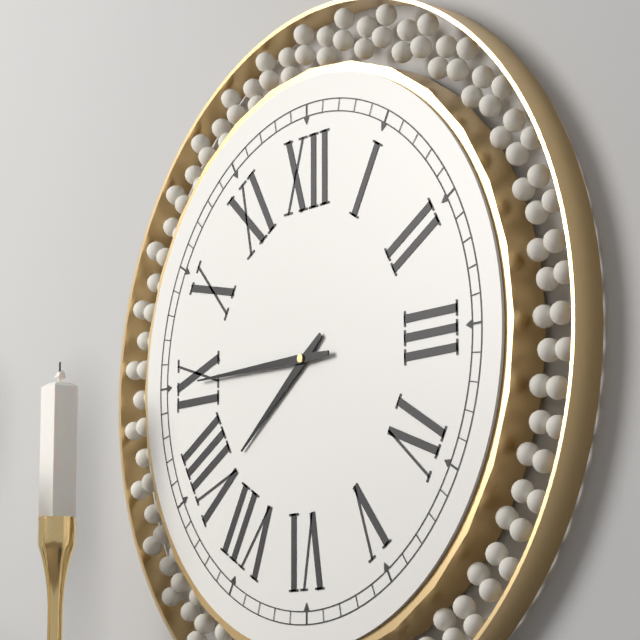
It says 7.45
